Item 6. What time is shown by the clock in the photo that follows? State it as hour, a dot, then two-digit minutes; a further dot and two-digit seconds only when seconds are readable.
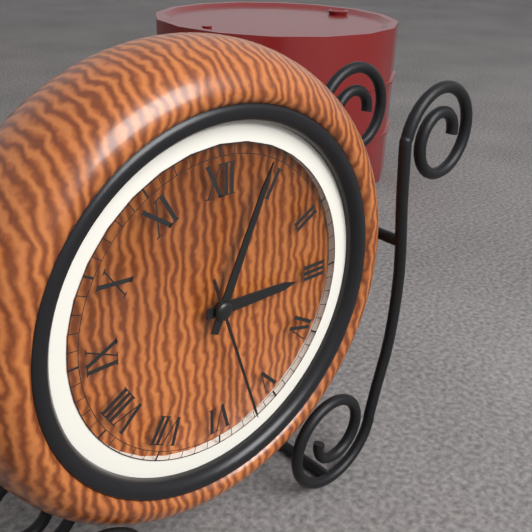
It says 3.04.27
